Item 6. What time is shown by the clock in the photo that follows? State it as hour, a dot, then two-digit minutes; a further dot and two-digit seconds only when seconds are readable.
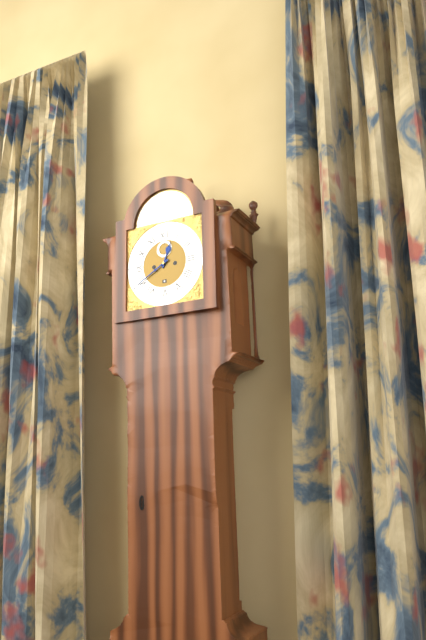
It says 12.40
